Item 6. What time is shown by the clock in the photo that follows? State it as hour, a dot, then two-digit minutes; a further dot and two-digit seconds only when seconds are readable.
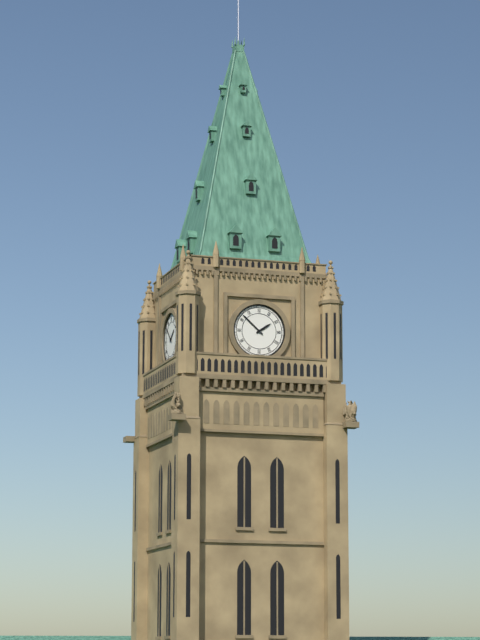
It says 1.52
